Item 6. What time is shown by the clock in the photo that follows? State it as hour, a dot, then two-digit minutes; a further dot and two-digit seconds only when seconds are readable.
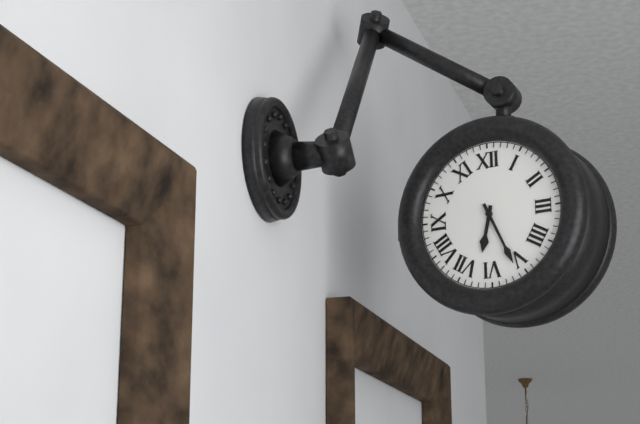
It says 6.26
